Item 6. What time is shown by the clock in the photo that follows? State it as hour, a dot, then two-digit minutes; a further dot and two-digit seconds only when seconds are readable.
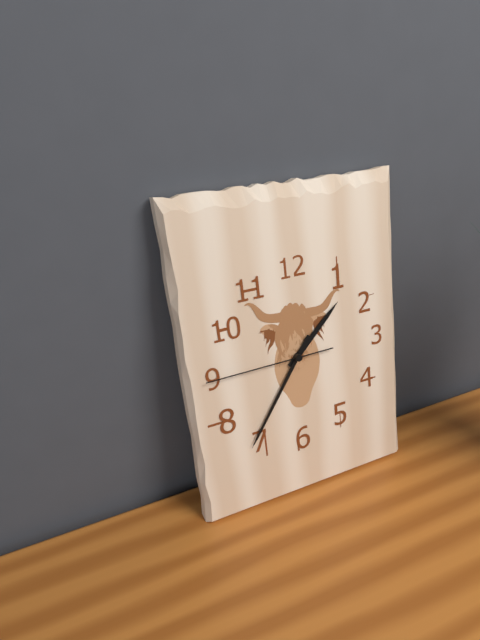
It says 1.36.45
